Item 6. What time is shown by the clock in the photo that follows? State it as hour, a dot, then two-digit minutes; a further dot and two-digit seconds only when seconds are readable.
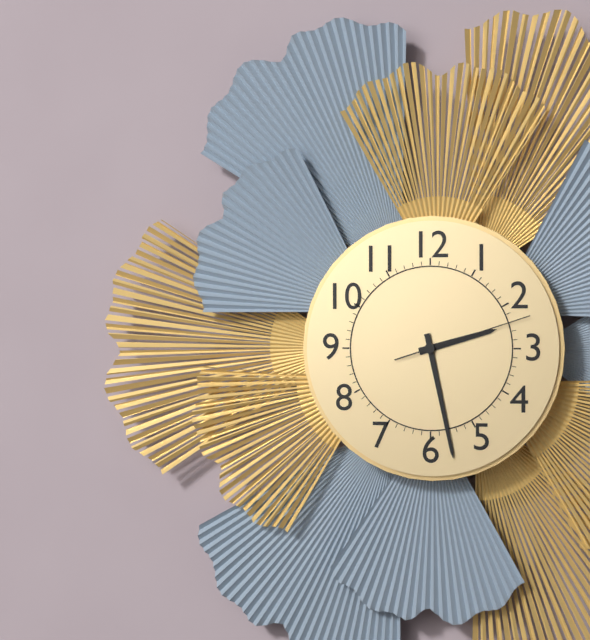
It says 2.28.12
